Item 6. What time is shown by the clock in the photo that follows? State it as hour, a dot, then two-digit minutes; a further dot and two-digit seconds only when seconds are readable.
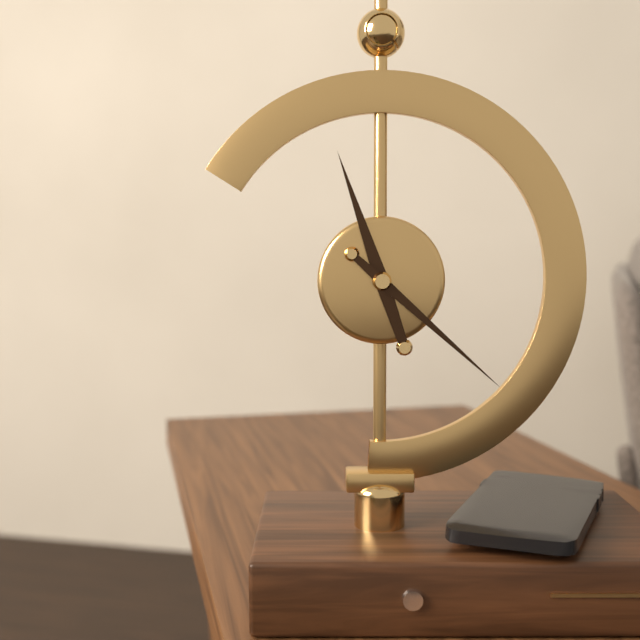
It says 11.22
